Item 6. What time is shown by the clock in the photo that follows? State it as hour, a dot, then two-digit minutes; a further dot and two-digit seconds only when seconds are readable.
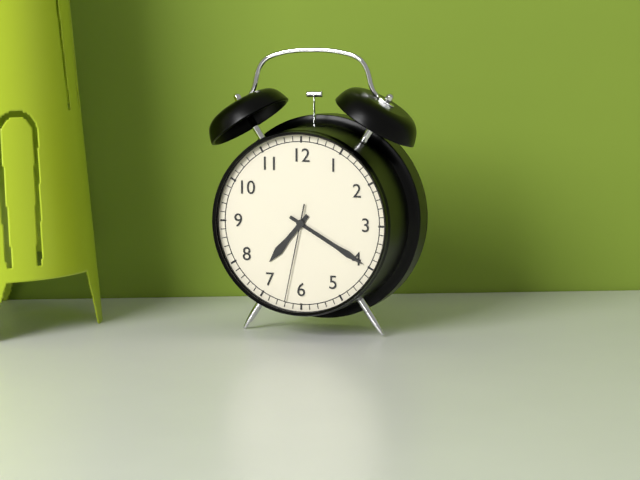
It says 7.20.32
